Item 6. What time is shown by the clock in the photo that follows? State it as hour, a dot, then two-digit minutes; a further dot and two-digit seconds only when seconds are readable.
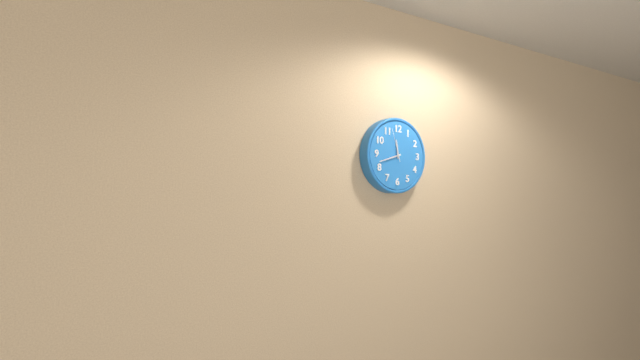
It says 11.42
